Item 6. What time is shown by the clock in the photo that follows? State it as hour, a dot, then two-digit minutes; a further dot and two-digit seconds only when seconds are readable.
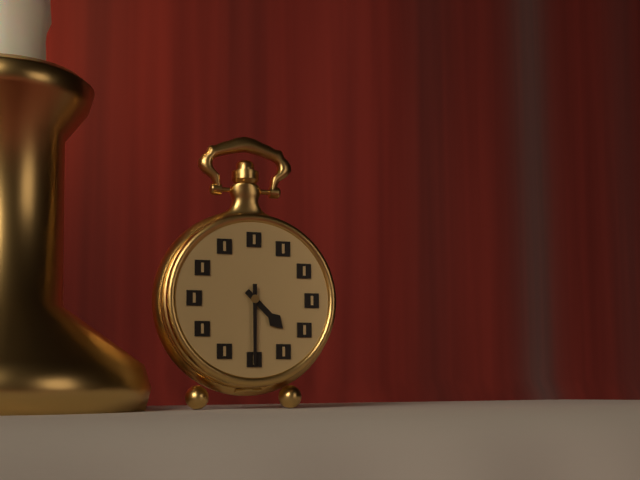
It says 4.30
